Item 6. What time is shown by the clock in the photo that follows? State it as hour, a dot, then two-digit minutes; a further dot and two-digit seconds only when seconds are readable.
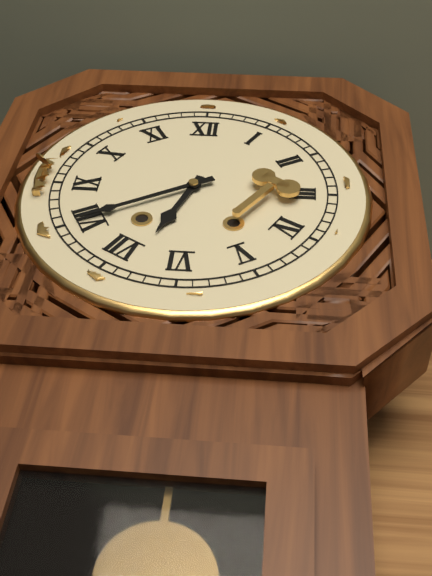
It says 6.40
